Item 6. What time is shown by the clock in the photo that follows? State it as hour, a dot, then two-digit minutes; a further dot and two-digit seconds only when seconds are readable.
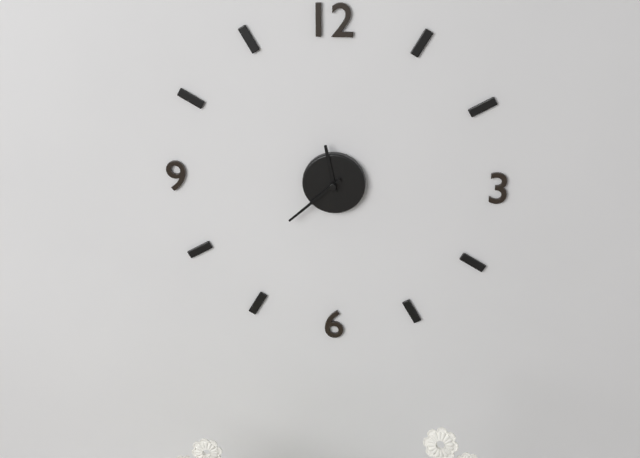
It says 11.38
